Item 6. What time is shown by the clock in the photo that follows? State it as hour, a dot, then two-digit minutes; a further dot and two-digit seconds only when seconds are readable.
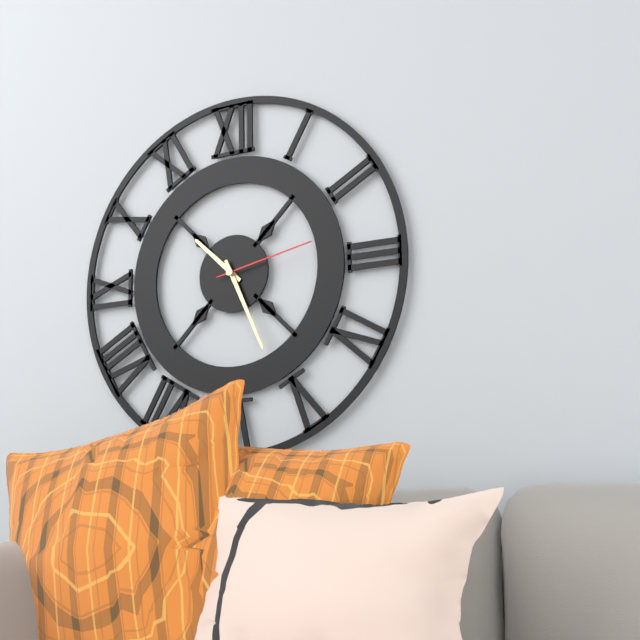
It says 10.26.13
